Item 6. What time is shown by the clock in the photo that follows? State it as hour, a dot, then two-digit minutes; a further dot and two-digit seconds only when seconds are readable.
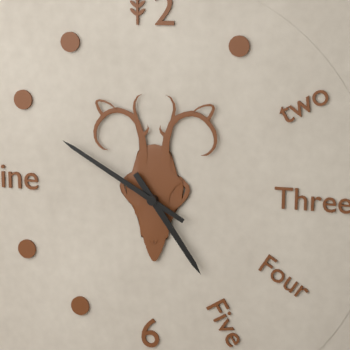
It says 4.50
